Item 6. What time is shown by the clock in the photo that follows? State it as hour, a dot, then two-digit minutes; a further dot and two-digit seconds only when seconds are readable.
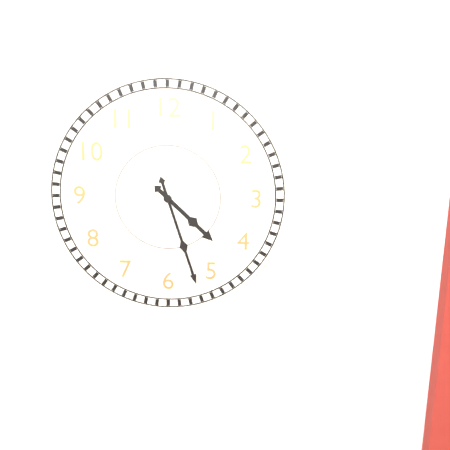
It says 4.27
